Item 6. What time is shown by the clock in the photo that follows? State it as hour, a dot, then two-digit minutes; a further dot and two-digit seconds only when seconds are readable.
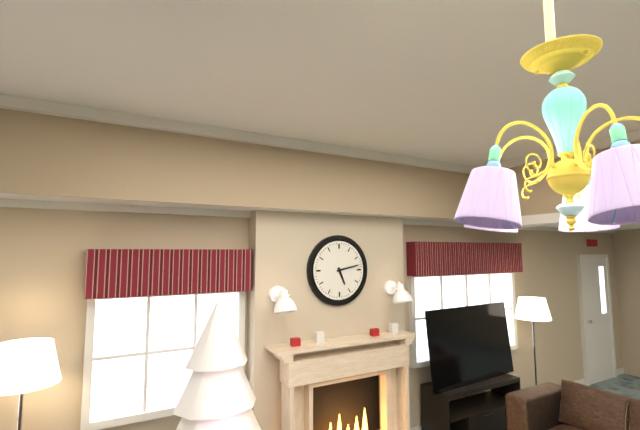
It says 5.13
